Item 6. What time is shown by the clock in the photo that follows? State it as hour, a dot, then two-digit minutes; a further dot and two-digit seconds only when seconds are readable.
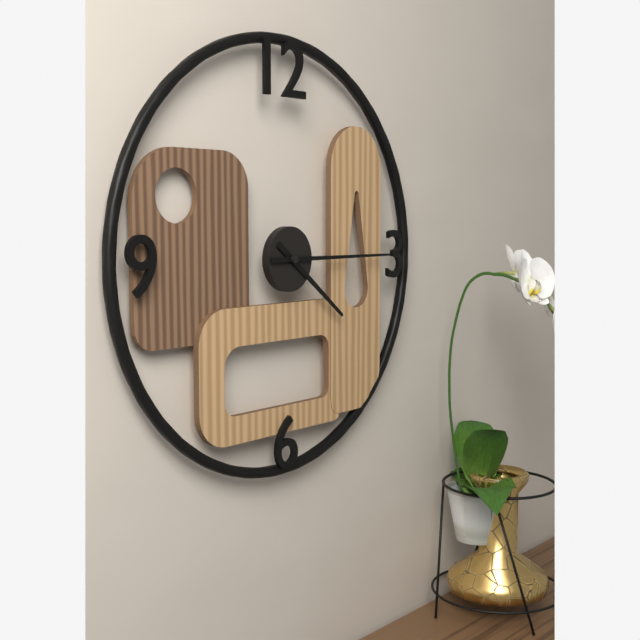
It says 4.15
